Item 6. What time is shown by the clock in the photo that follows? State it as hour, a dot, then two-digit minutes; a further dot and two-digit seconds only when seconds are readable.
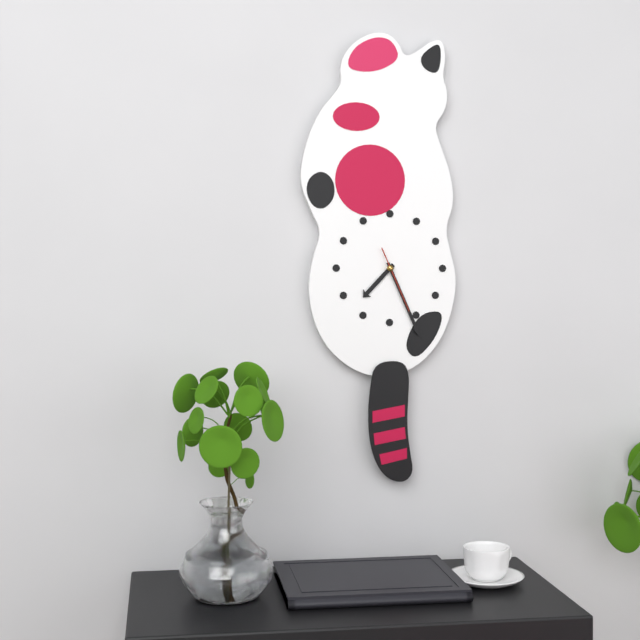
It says 7.26.26
